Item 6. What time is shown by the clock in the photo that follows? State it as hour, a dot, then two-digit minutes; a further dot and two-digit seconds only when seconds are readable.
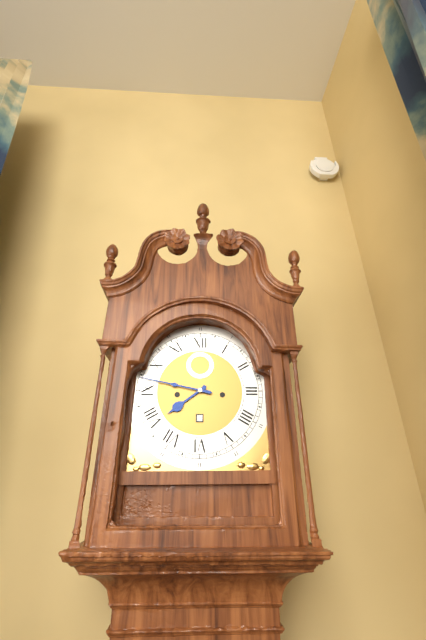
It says 7.47
